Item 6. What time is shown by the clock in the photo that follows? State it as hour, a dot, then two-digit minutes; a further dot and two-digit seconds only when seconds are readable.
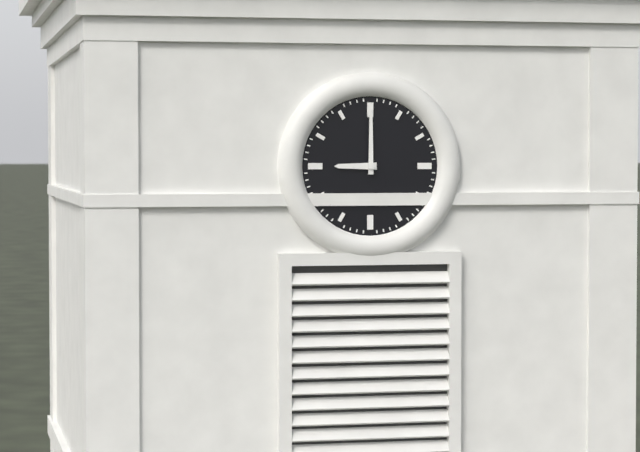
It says 9.00
